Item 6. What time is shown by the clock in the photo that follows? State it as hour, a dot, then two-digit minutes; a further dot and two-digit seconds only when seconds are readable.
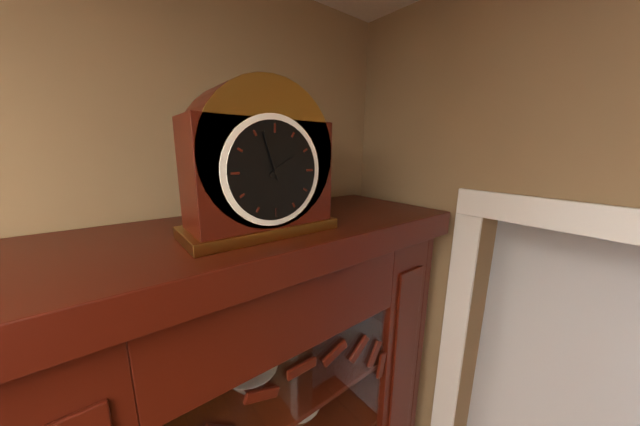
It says 1.57
